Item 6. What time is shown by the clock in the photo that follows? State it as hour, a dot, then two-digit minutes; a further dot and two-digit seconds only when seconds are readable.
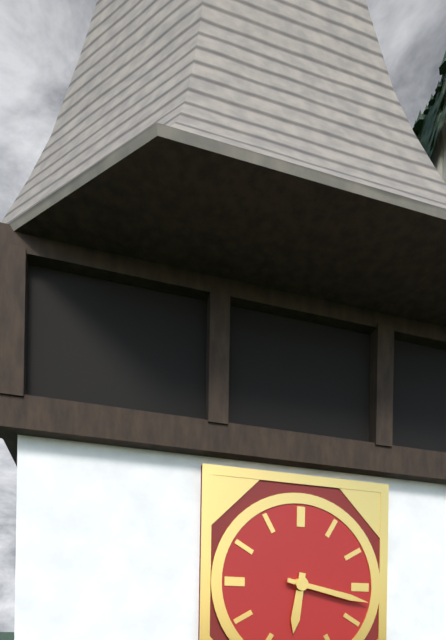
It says 6.17
